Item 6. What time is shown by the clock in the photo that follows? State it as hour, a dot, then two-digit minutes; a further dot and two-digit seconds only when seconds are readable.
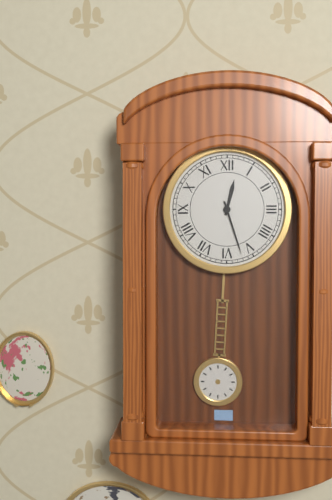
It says 12.27
